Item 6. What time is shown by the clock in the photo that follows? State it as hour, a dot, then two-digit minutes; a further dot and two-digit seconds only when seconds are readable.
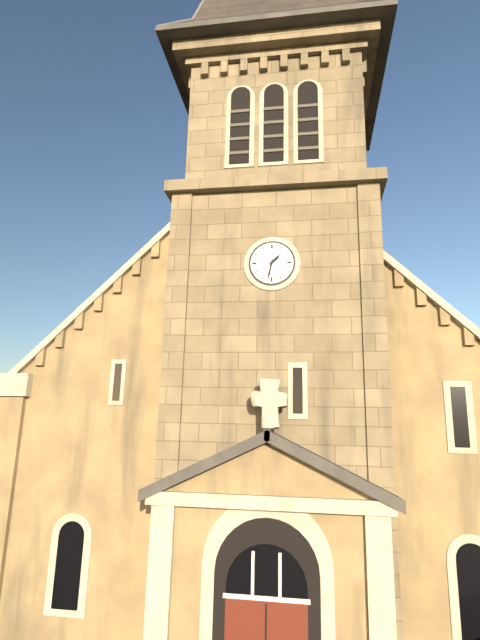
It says 1.32
